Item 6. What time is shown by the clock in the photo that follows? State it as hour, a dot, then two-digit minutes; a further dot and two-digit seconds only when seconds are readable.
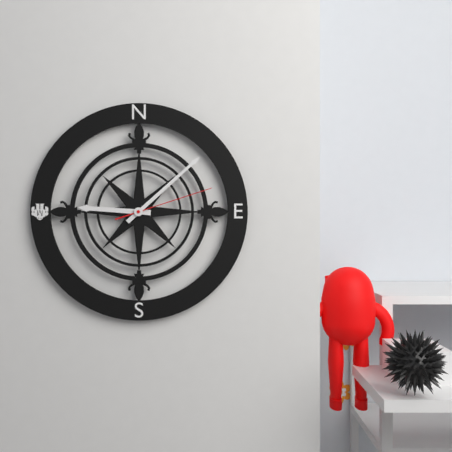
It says 9.08.12
